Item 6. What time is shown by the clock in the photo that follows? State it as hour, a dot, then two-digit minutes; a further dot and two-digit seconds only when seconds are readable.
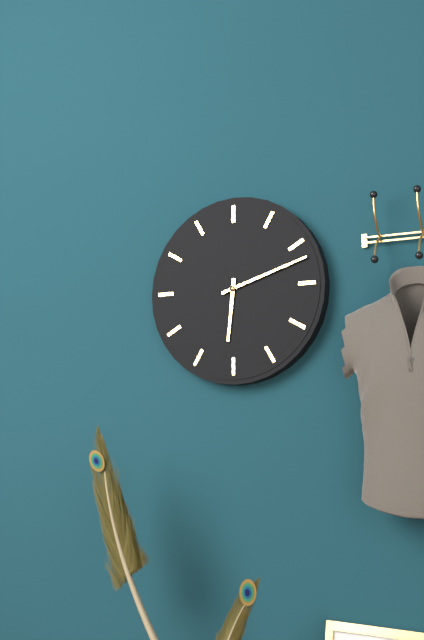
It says 6.12
